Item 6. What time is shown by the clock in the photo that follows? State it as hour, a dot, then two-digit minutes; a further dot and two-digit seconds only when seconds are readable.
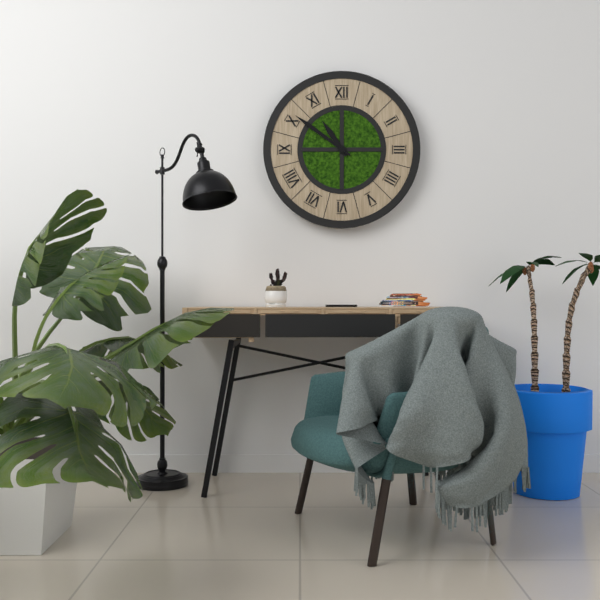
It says 10.51
